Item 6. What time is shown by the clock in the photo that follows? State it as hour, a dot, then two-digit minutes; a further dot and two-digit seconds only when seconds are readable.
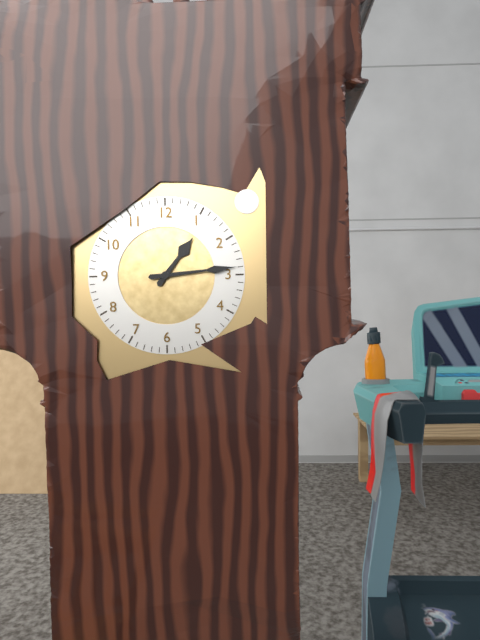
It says 1.14
